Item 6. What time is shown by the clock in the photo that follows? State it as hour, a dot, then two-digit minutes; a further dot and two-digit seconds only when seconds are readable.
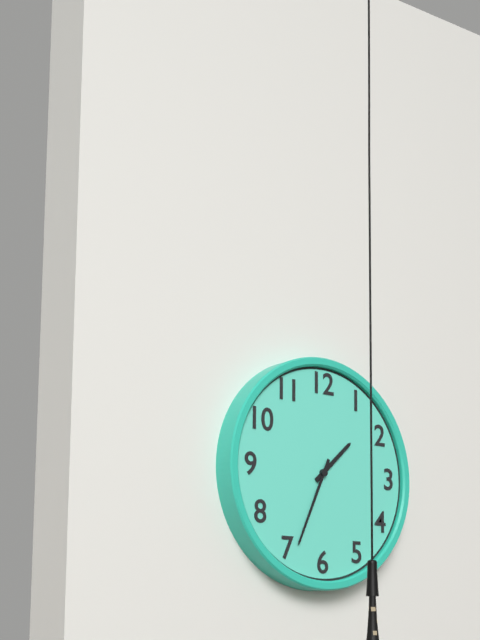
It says 1.34
